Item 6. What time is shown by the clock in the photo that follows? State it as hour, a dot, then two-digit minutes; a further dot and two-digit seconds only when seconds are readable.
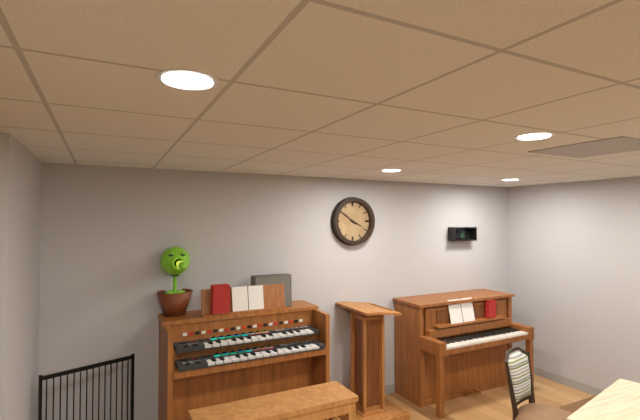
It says 3.51
